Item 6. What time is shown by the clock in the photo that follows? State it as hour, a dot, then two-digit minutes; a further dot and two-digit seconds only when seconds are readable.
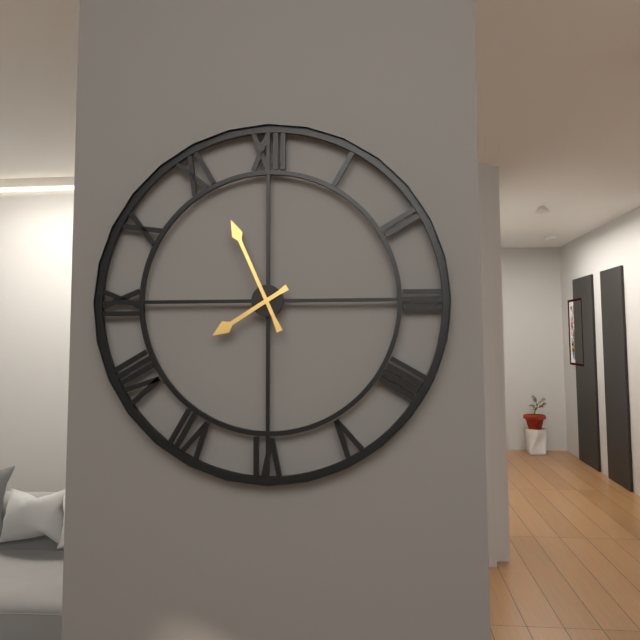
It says 7.56
